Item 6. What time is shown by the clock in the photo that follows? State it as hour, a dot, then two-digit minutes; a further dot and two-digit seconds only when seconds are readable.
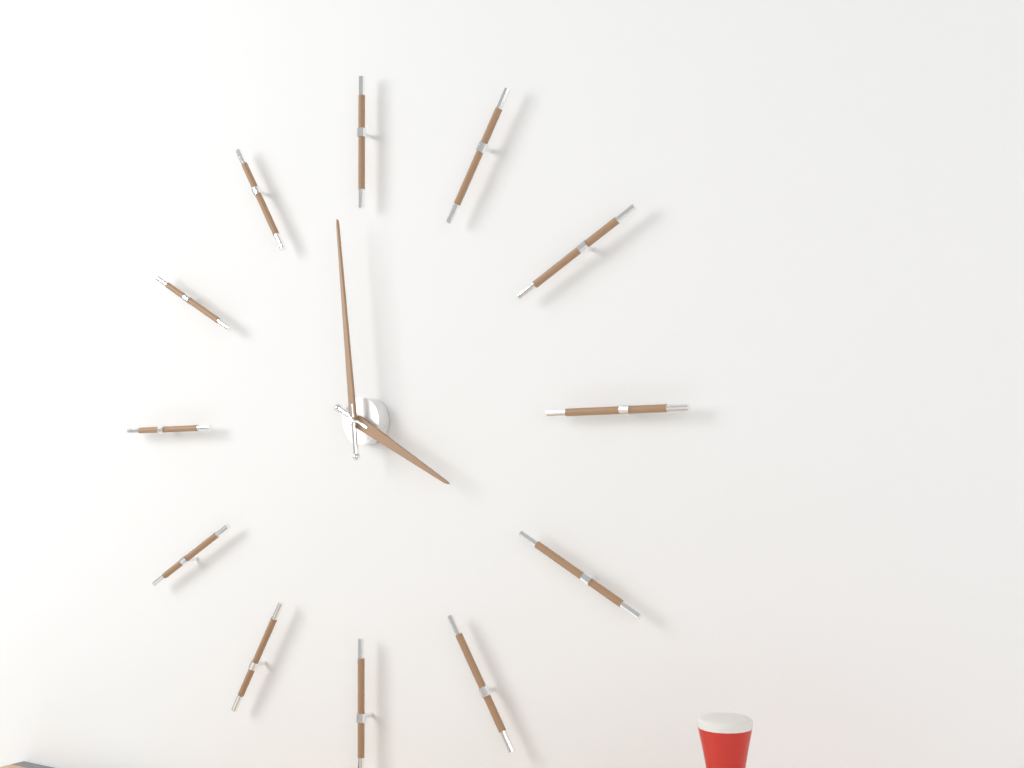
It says 3.59
